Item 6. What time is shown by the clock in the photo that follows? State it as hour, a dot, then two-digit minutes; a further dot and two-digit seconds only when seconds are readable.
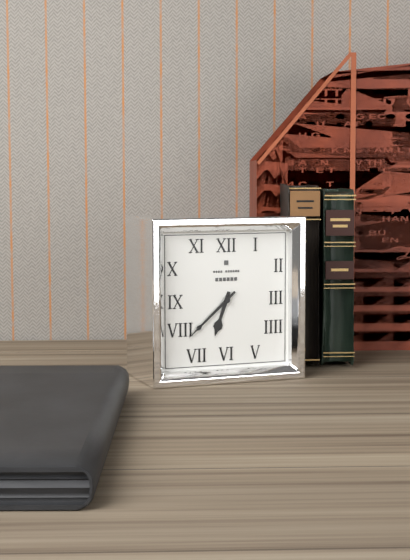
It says 6.38
